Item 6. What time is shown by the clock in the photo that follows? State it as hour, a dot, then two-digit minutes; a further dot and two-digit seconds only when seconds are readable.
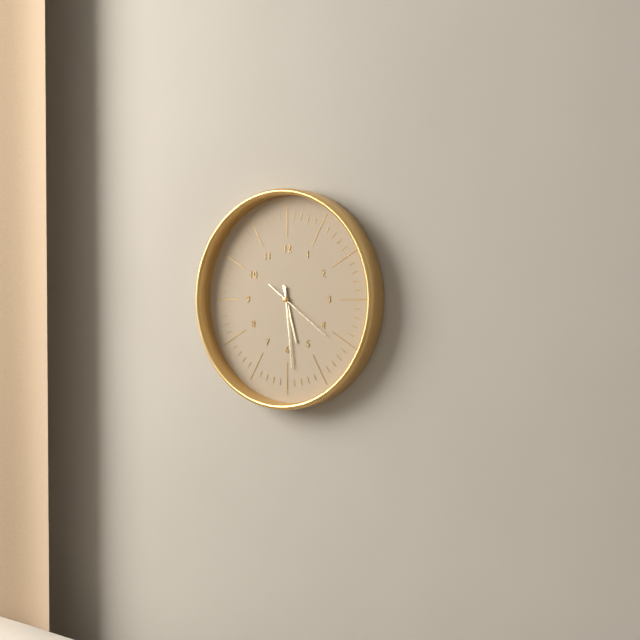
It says 5.29.21
